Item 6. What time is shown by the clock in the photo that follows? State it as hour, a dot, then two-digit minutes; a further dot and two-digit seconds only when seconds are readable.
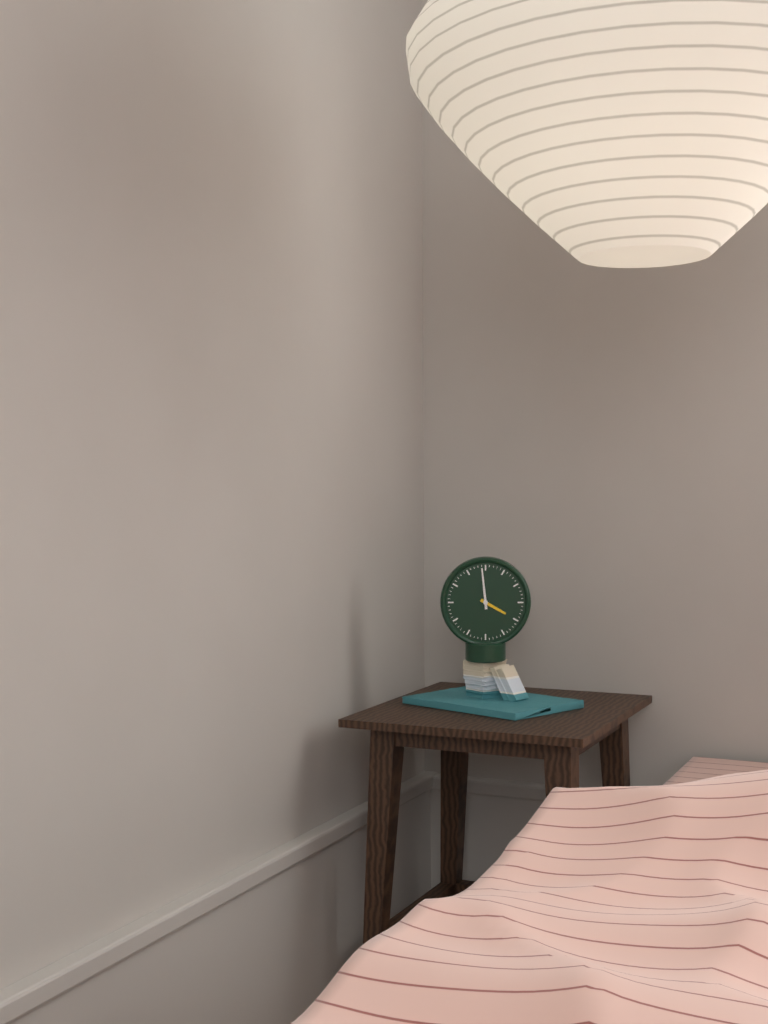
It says 3.59
